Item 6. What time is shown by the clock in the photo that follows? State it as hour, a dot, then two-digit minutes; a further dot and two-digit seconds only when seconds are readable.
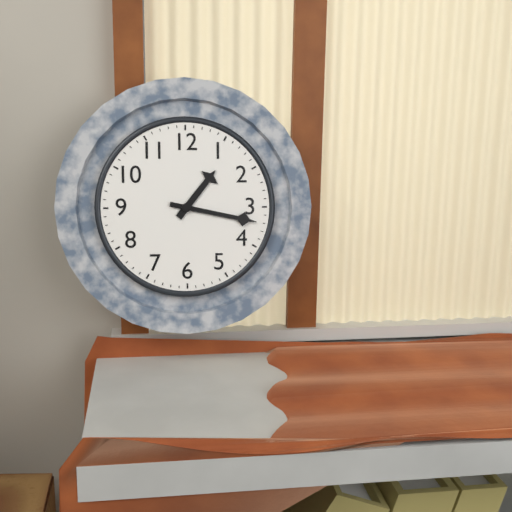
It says 1.17
